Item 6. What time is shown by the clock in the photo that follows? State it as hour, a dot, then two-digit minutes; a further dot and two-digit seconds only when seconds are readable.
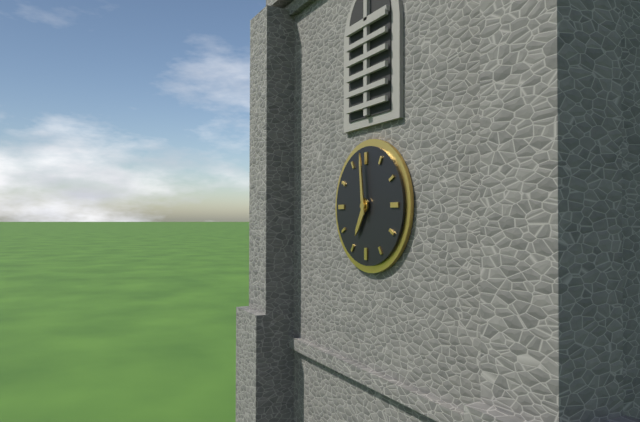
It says 6.59
